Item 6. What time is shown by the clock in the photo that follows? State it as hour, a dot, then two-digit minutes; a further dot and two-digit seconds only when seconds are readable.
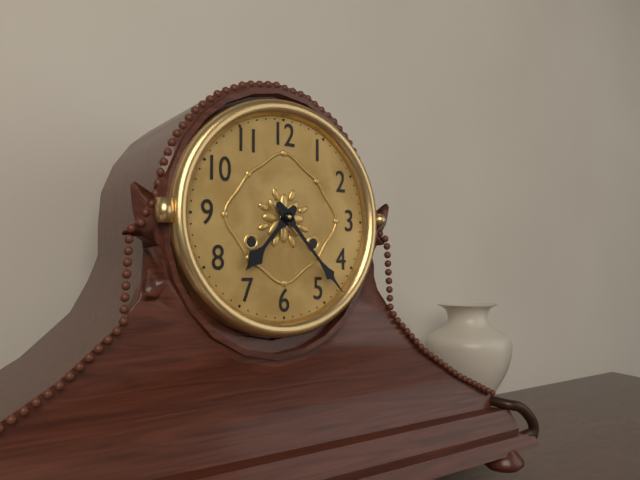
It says 7.23
